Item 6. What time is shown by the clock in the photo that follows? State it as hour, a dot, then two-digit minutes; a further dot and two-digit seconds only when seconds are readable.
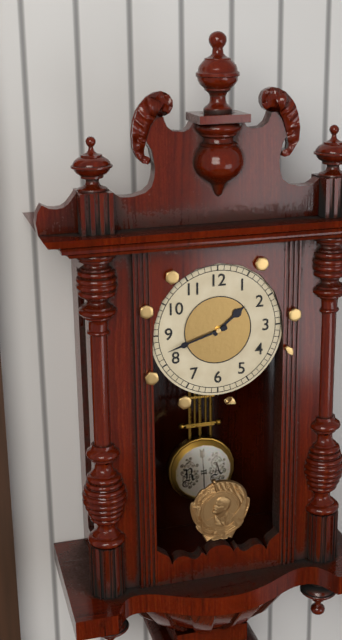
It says 1.42
